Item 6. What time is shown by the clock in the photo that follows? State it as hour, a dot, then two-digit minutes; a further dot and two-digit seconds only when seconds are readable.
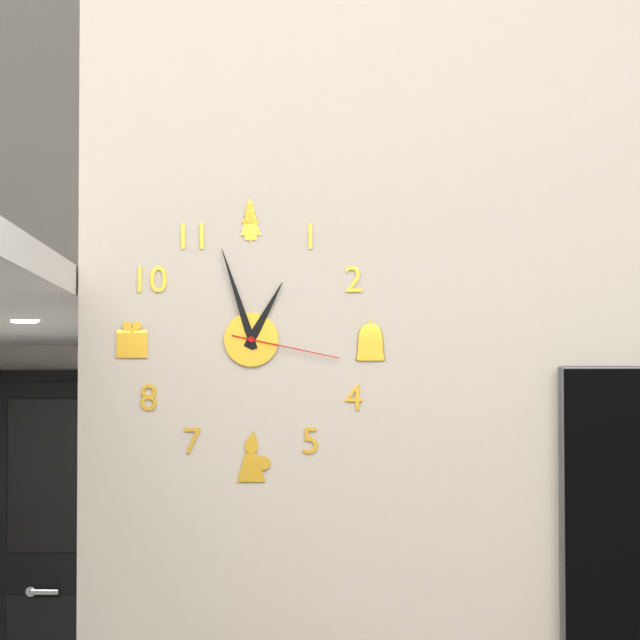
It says 12.57.17
